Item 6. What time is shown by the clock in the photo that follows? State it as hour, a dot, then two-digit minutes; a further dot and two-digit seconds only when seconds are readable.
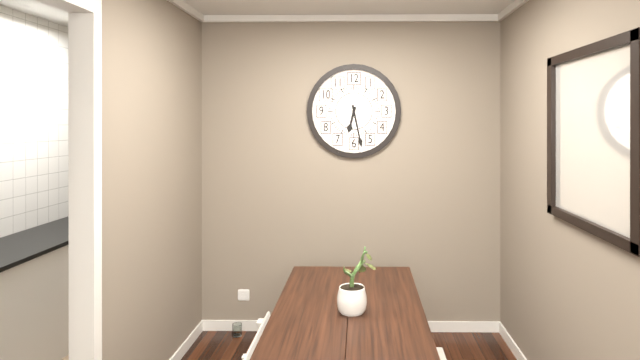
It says 6.28
